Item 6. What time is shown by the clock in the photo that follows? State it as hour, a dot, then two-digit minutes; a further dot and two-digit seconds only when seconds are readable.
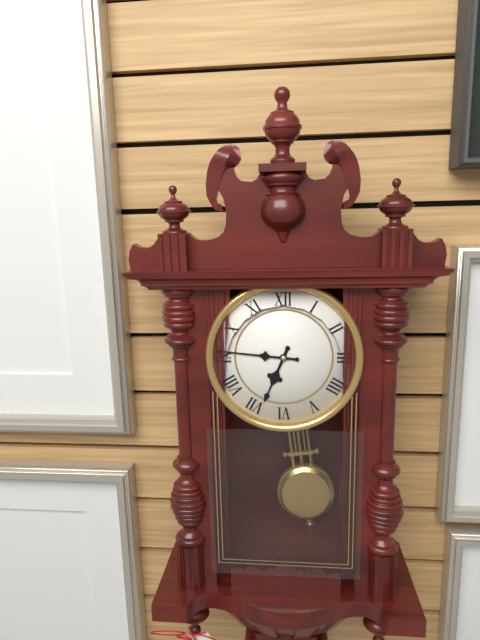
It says 6.46
